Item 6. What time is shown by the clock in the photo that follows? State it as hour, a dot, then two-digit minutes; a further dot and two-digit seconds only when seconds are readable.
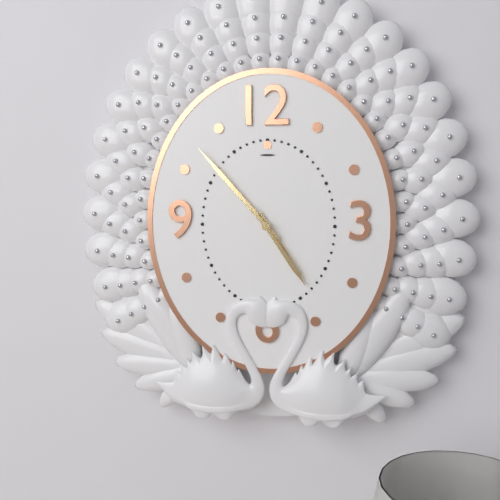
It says 4.53.24
